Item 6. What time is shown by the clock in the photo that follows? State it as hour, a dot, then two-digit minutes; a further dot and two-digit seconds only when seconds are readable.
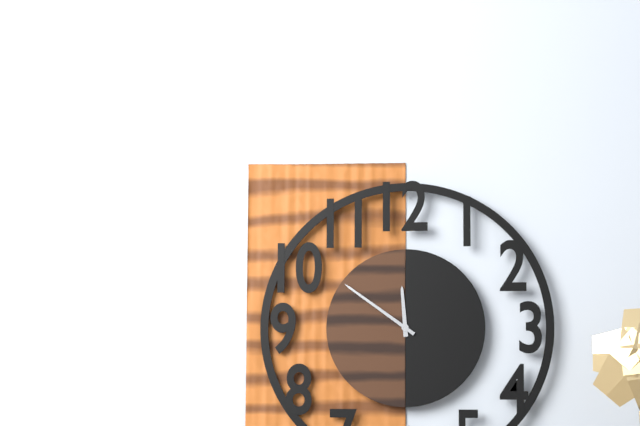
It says 11.51
